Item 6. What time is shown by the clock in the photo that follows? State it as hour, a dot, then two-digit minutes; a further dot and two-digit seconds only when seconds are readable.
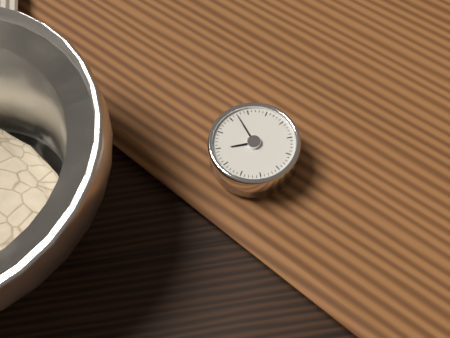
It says 8.57
